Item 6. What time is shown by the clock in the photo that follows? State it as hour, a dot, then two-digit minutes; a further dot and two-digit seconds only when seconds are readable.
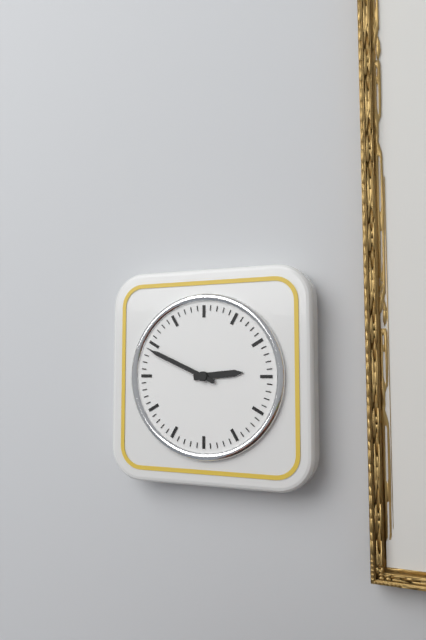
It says 2.49
